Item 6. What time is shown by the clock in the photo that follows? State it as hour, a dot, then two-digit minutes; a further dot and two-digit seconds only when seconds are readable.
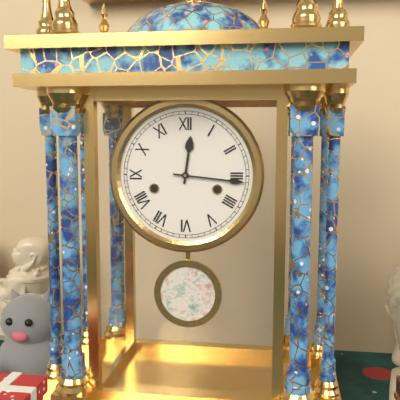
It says 12.16
